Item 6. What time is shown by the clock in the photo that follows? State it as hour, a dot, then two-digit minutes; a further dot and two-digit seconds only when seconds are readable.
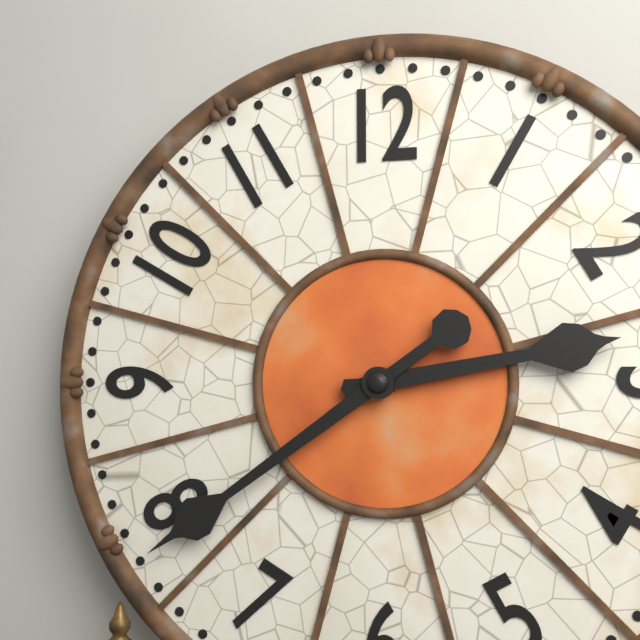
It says 2.39
